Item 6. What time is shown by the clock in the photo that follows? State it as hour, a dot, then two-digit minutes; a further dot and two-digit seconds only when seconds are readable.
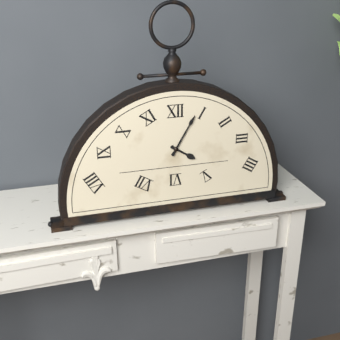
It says 4.05
